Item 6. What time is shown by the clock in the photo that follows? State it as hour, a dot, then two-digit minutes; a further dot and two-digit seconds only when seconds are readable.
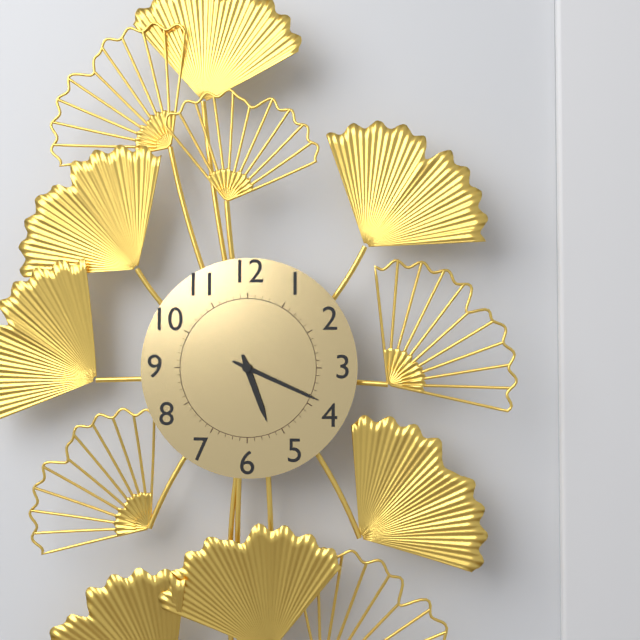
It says 5.19
